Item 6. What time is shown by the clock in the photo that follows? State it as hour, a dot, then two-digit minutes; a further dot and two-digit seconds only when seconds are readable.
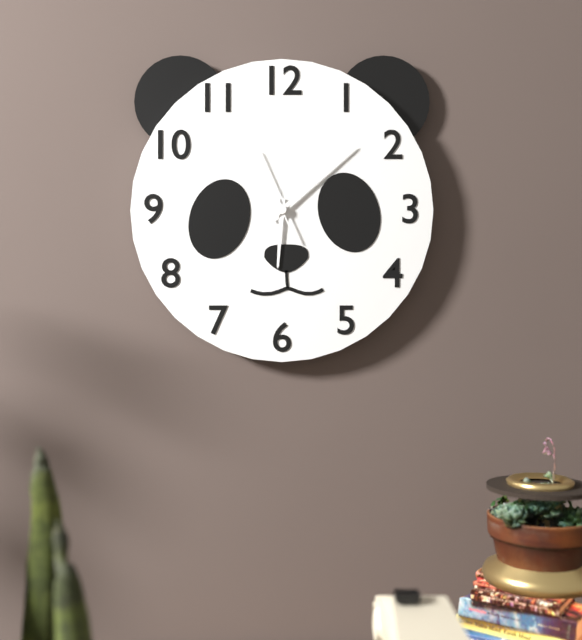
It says 6.08.56
